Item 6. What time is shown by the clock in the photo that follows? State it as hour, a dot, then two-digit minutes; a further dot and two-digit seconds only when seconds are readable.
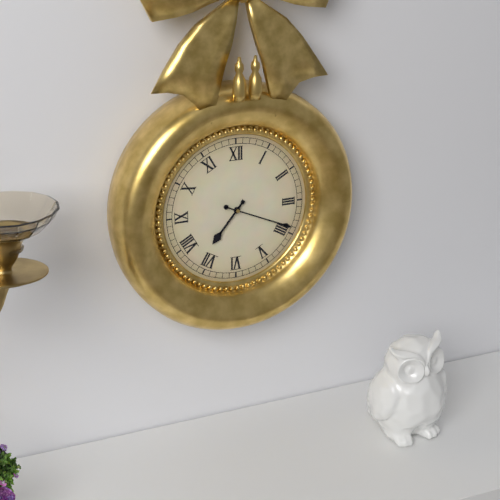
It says 7.19
